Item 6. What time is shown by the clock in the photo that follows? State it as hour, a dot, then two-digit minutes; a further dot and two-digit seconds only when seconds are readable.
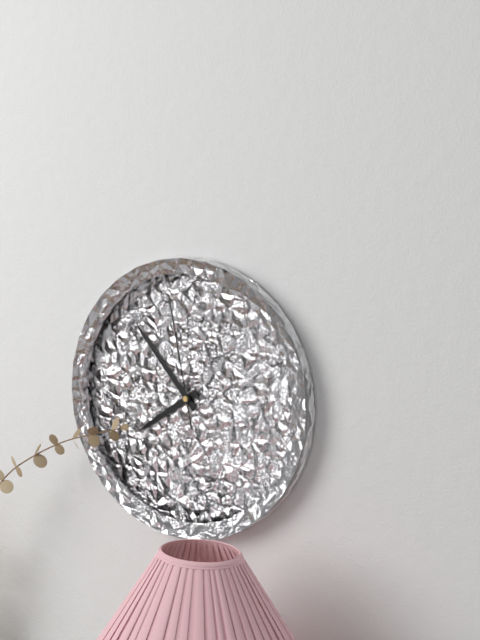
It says 7.53.58
